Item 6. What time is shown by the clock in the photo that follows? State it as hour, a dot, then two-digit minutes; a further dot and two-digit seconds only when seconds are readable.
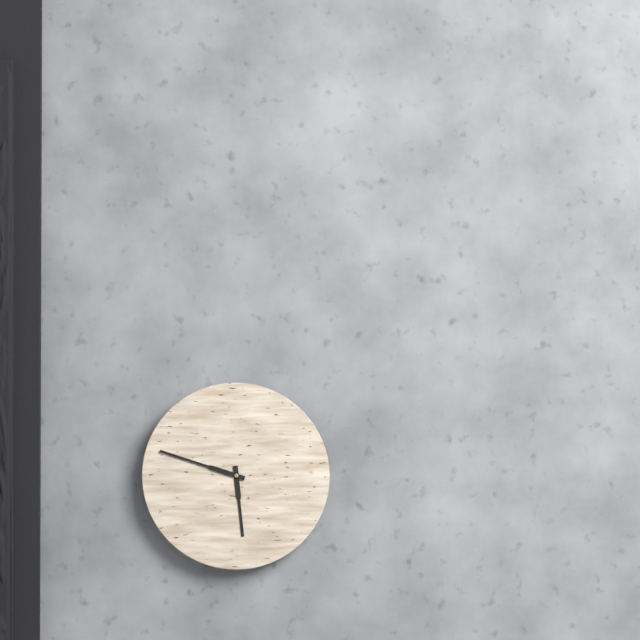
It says 5.48
